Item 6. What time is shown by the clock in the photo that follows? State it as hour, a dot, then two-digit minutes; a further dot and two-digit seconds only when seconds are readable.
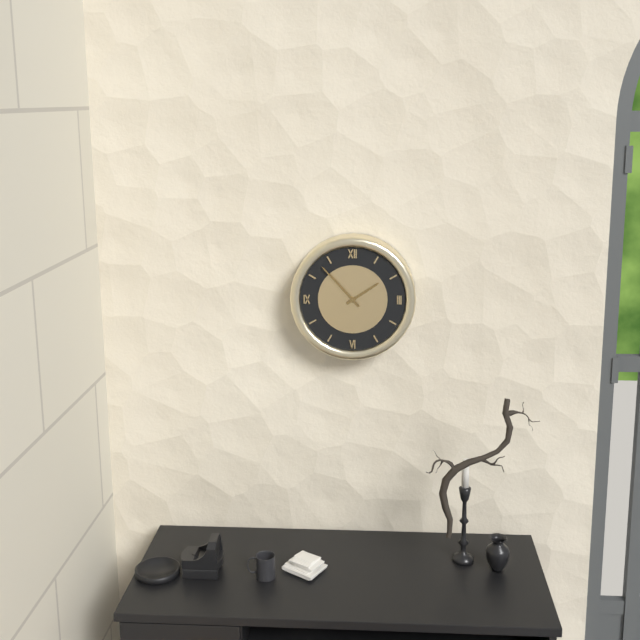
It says 1.53
